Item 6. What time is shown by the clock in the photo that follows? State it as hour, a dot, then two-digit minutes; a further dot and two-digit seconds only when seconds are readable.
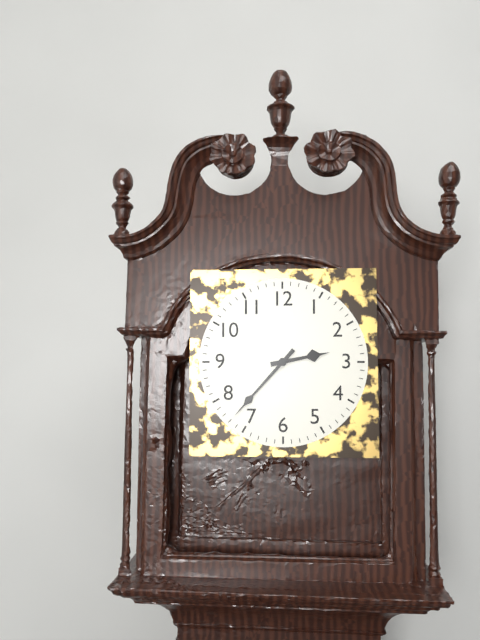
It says 2.37
